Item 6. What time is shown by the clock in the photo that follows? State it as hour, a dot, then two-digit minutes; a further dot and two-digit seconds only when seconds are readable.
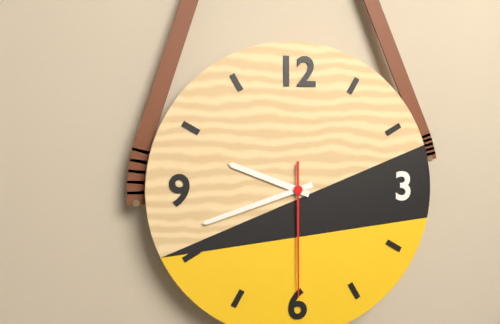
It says 9.42.30
